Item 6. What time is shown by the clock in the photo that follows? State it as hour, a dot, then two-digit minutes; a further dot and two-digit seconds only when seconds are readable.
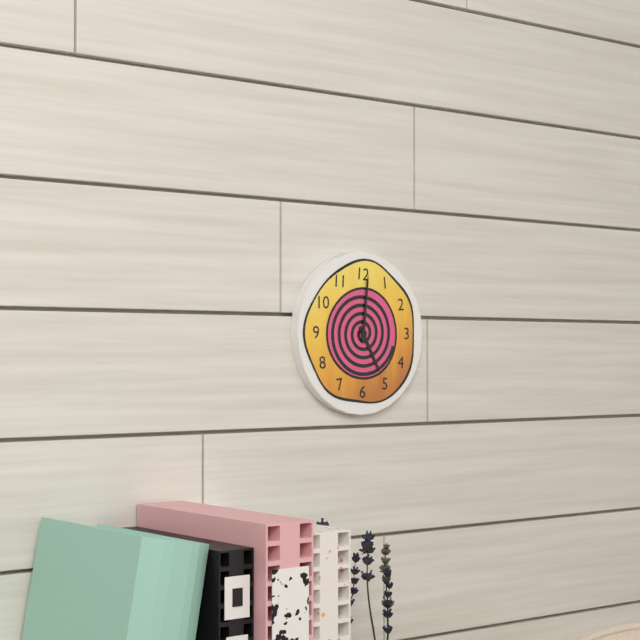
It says 5.01
